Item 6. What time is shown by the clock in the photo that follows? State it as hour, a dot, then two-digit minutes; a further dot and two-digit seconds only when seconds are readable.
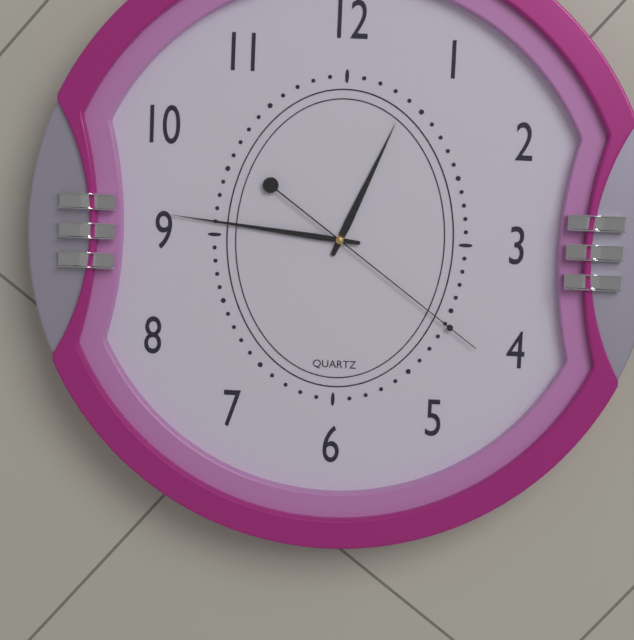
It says 12.46.21
